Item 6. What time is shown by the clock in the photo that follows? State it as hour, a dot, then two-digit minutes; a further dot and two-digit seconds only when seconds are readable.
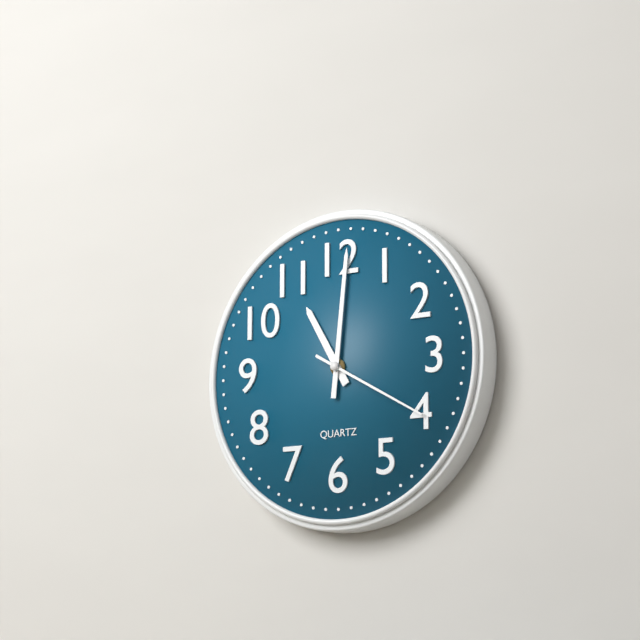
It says 11.01.20
